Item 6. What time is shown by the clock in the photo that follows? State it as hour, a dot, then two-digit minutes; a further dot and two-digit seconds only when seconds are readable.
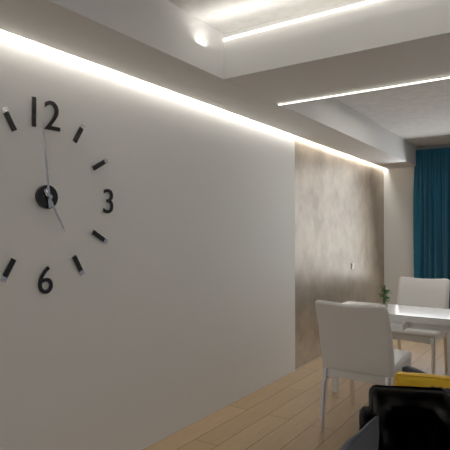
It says 4.59
